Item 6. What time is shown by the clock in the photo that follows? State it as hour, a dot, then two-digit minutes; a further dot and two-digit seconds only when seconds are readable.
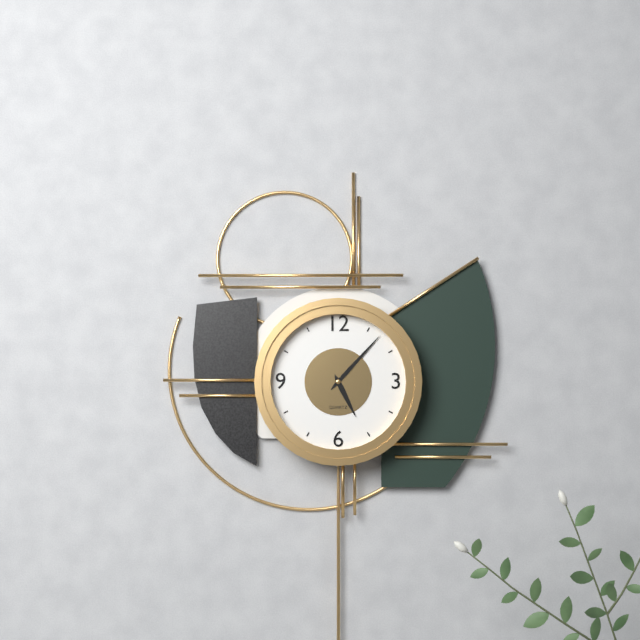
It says 5.07
